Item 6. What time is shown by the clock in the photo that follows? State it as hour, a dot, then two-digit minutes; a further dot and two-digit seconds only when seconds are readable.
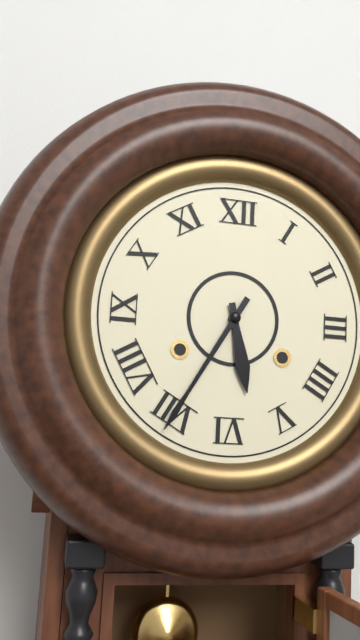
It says 5.35
